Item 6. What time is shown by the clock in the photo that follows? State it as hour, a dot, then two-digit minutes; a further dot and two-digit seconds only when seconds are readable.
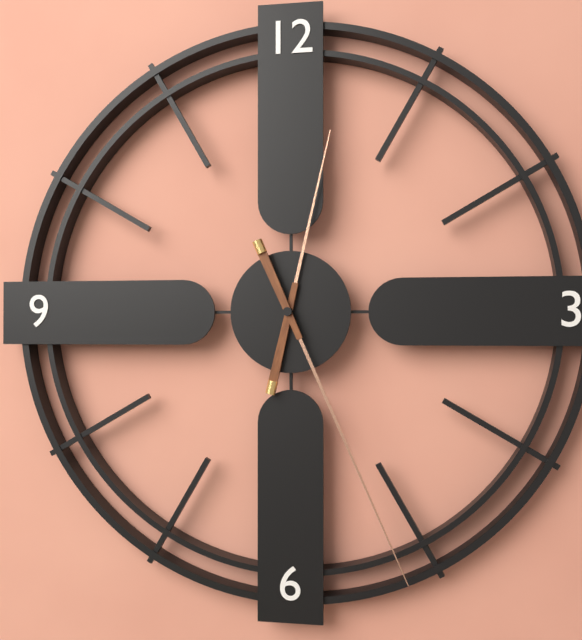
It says 12.26
